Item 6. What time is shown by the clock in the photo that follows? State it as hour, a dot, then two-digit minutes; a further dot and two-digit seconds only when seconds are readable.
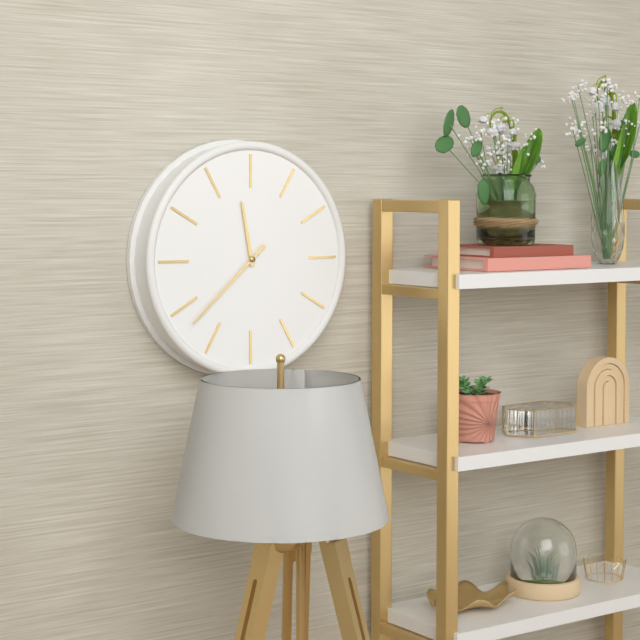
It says 11.38
